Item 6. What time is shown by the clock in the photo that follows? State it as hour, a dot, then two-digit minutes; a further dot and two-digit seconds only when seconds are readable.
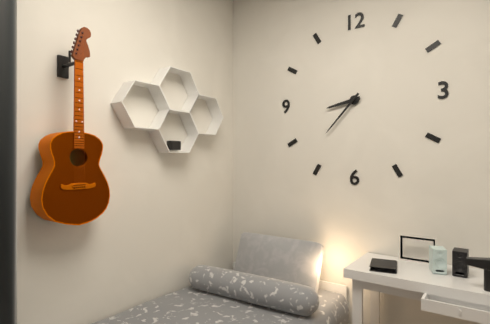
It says 8.37
